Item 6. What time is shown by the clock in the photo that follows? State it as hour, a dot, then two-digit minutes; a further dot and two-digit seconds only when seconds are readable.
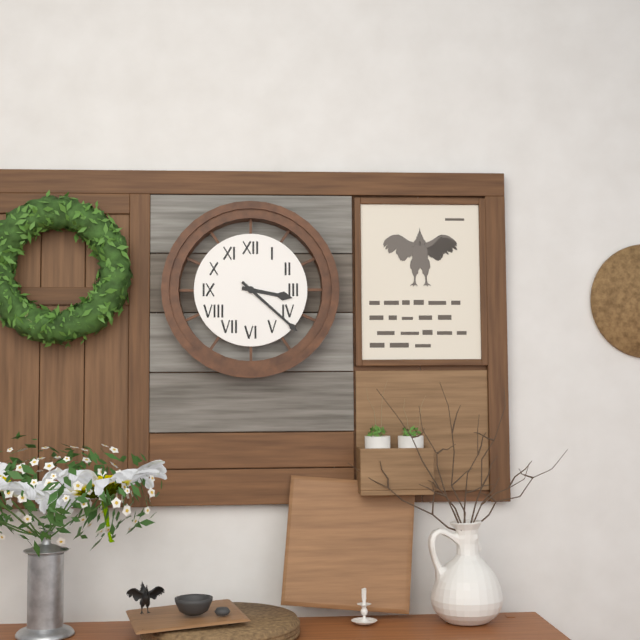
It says 3.22
